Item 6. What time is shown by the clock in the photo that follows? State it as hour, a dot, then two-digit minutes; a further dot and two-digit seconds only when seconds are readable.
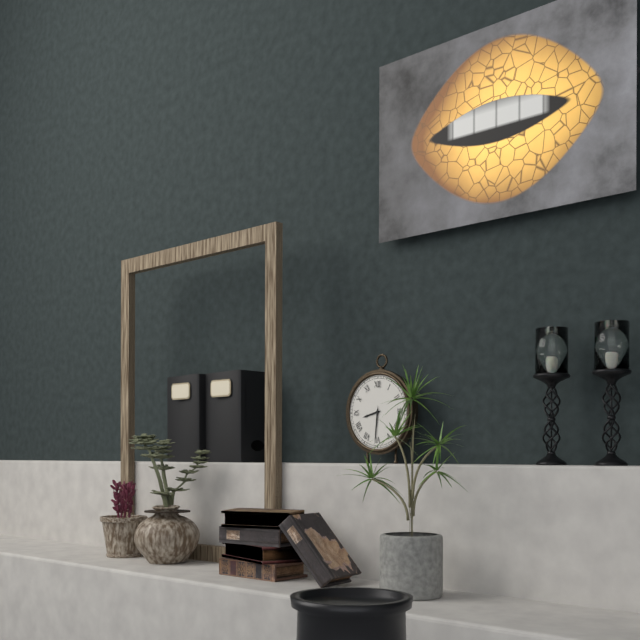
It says 8.31
